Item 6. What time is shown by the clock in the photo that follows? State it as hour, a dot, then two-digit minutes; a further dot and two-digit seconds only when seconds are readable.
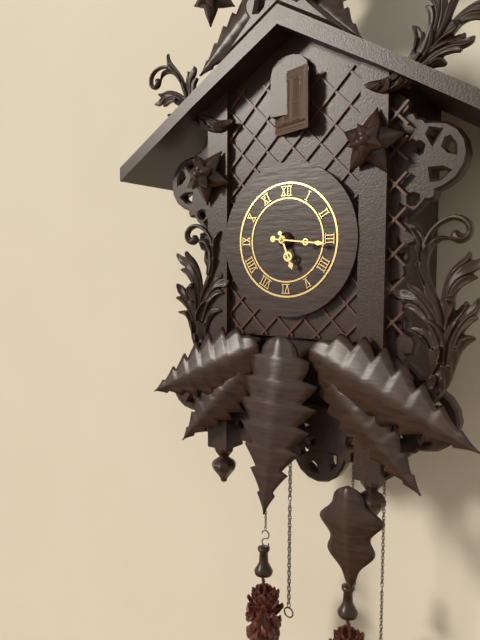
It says 5.16
